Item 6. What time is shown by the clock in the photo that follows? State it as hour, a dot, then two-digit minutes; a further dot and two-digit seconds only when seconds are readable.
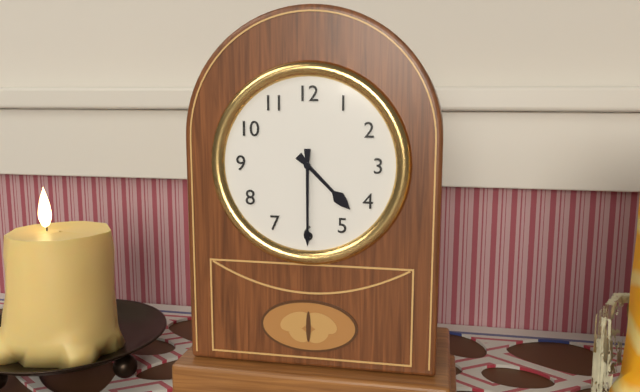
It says 4.30
